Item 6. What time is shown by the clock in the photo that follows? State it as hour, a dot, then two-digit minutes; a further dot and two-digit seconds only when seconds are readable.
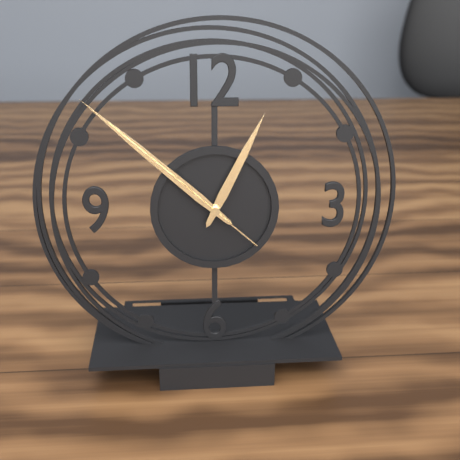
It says 12.52.52
